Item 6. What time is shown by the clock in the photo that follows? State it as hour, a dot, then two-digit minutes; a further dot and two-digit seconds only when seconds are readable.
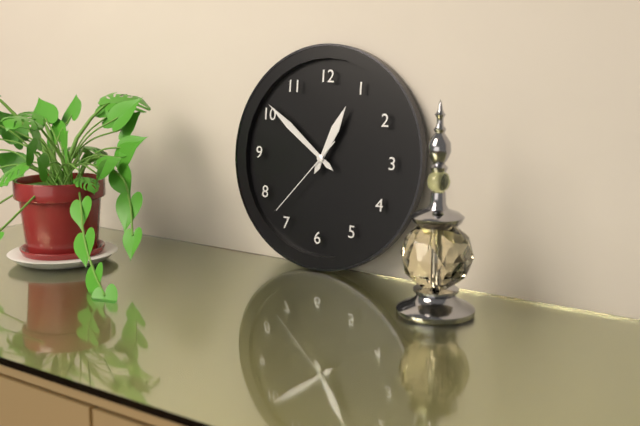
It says 12.51.37
